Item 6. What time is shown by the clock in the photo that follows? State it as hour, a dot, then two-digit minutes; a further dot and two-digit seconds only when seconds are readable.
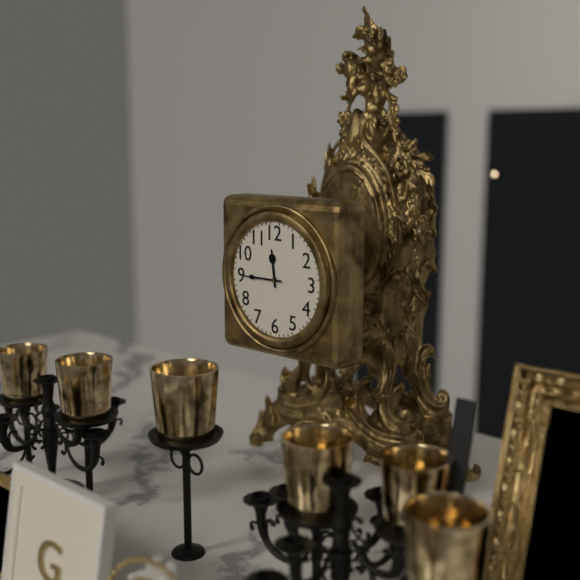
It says 11.45
